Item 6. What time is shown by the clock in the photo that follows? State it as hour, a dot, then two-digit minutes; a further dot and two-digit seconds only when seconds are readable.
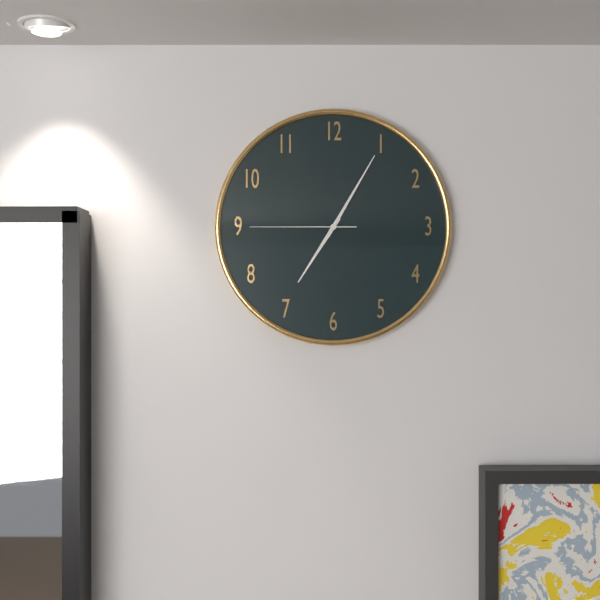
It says 7.05.45
